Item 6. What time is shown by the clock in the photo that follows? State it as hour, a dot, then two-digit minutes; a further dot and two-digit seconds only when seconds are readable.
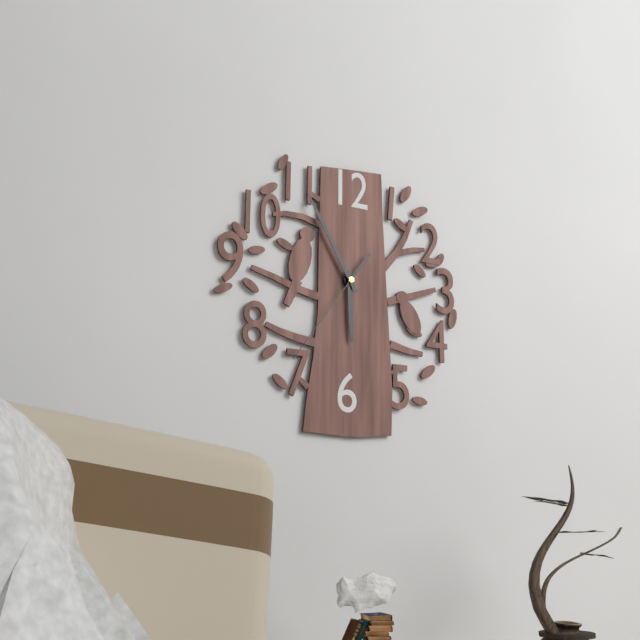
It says 5.55.36
